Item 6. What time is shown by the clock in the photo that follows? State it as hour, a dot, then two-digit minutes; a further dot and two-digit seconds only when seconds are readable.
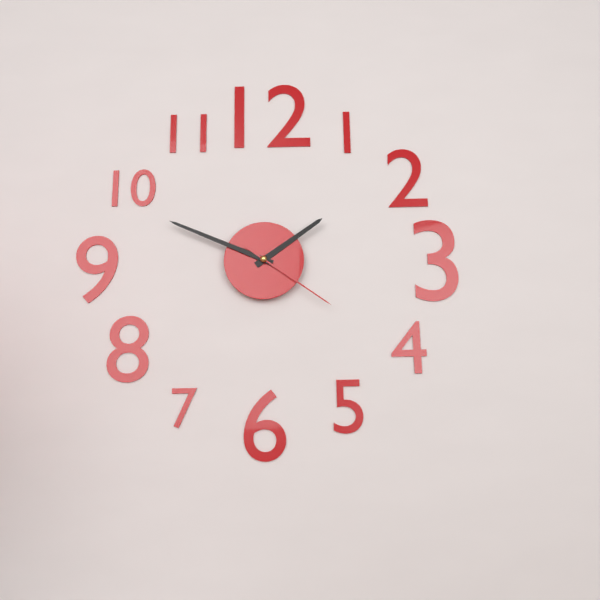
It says 1.49.21
